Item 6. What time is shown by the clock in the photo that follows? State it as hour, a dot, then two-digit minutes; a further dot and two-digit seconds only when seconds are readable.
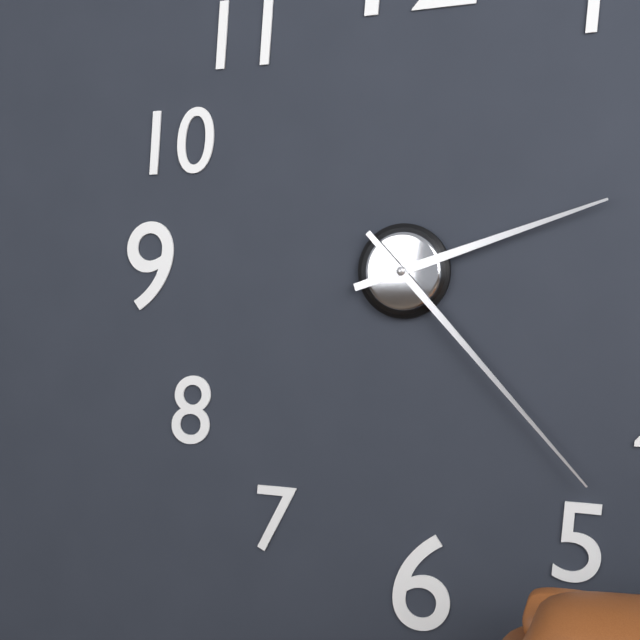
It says 2.23
